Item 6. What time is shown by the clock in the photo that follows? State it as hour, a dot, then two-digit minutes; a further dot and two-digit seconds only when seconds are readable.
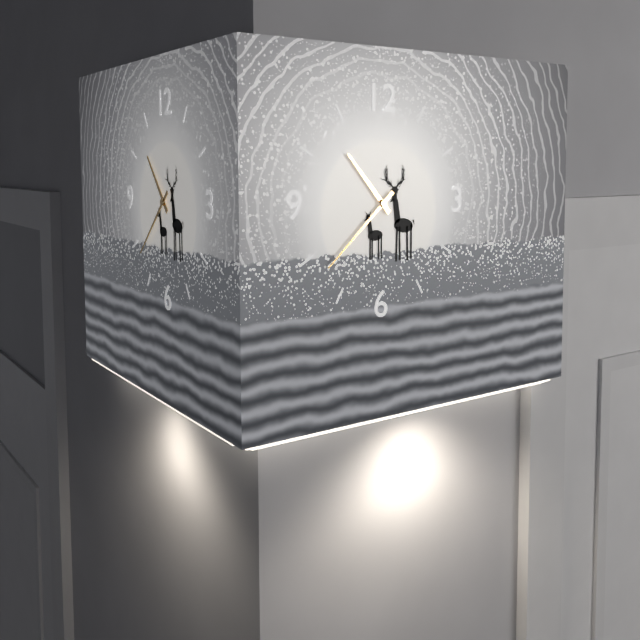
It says 10.38
